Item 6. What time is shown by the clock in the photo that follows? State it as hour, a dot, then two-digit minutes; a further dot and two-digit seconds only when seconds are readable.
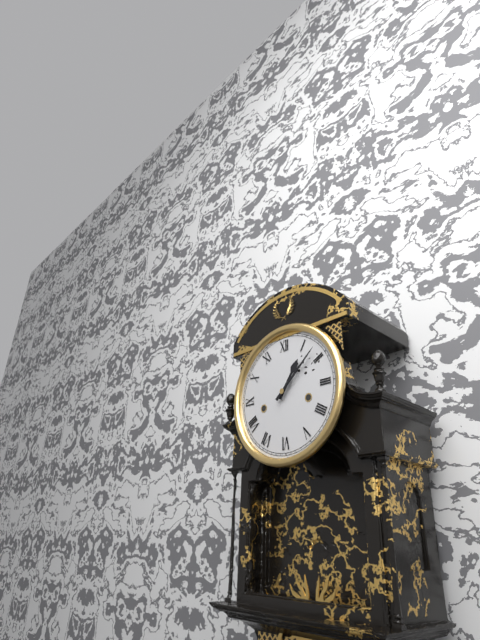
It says 1.08
